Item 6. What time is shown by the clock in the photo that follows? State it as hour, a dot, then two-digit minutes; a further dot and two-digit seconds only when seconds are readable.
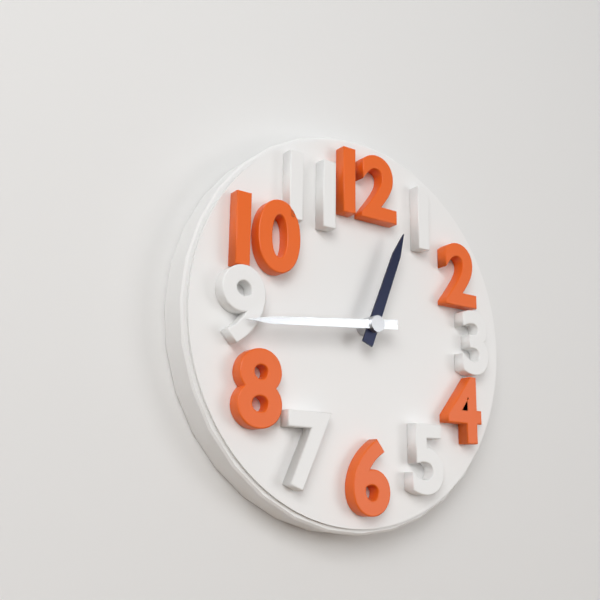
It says 12.44
